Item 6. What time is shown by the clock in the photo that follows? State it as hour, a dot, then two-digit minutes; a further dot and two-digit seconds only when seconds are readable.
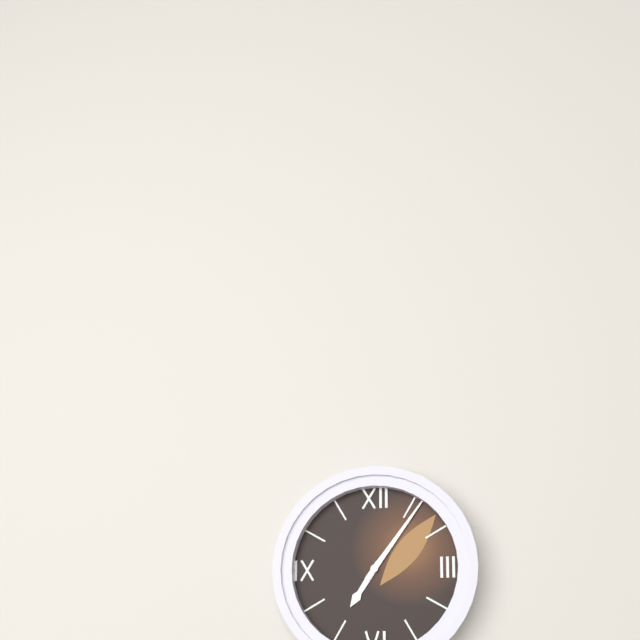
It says 7.06
